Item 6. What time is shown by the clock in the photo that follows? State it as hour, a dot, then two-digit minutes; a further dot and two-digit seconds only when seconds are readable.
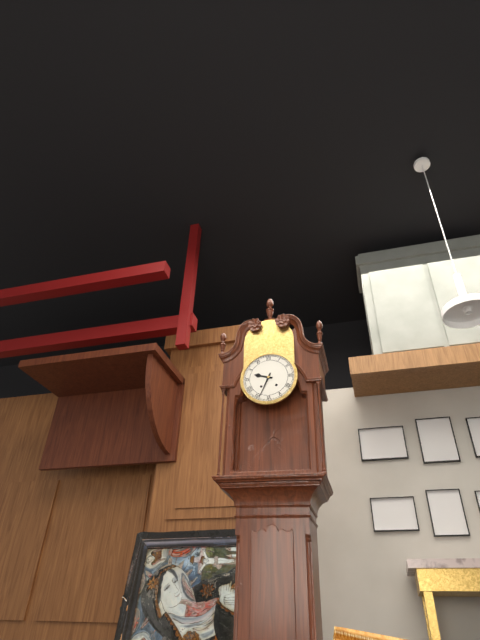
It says 9.34
